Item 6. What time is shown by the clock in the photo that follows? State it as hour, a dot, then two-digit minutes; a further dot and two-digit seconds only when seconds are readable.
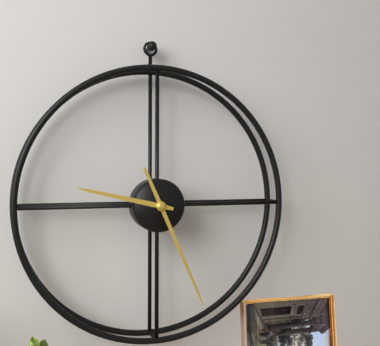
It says 9.26
